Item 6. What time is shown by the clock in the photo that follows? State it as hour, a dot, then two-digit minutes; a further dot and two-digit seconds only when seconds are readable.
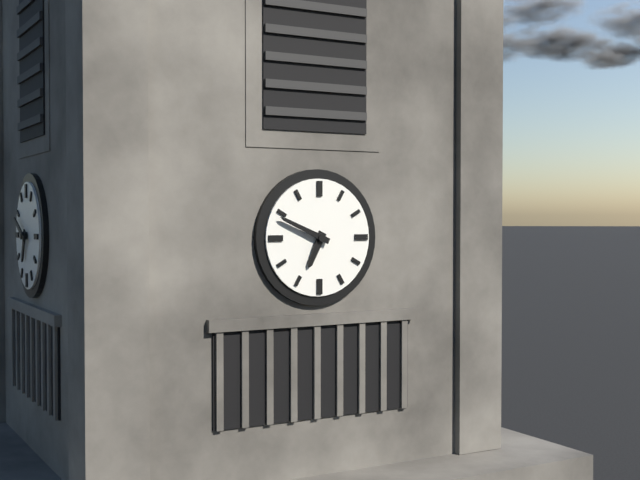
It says 6.49
